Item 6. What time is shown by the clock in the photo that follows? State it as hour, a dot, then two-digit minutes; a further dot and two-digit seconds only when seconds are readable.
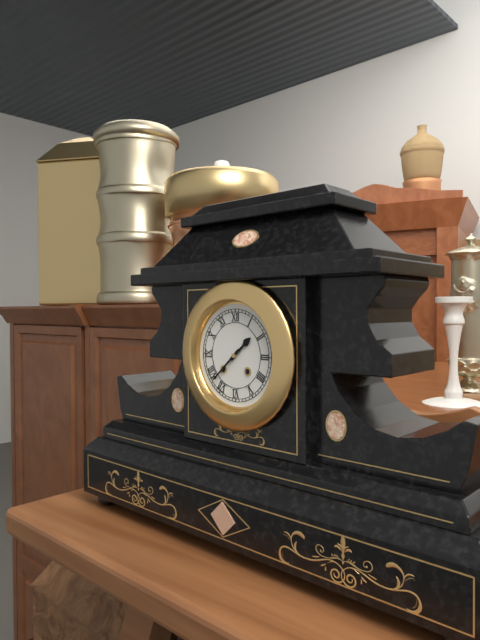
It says 1.38
